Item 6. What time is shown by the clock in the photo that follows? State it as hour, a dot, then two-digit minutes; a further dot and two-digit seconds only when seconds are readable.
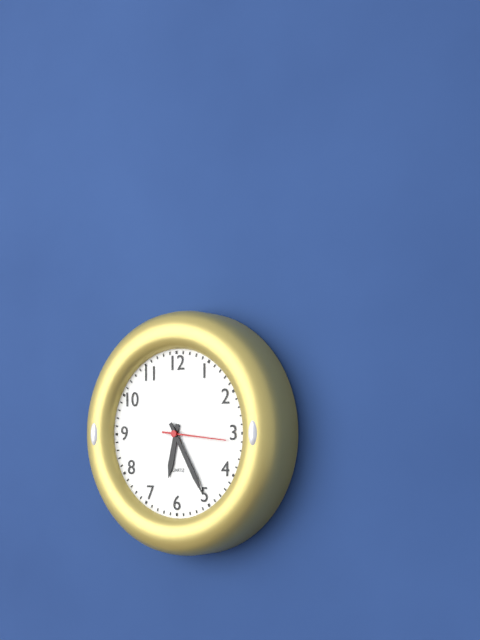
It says 6.25
